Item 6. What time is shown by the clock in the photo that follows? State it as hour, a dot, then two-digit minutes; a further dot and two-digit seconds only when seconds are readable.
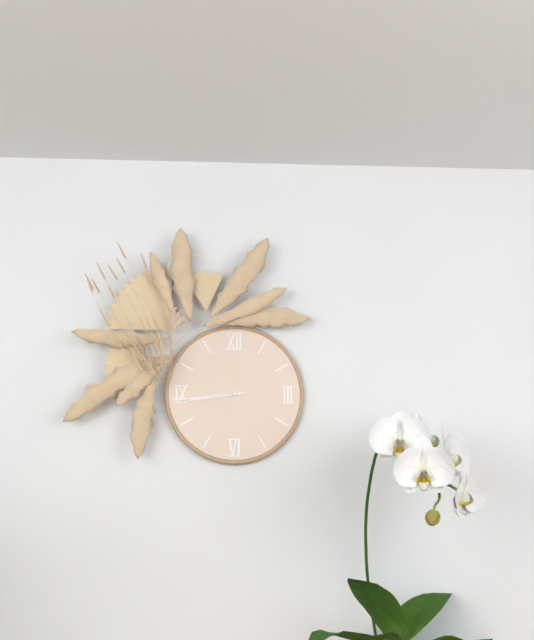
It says 8.44
